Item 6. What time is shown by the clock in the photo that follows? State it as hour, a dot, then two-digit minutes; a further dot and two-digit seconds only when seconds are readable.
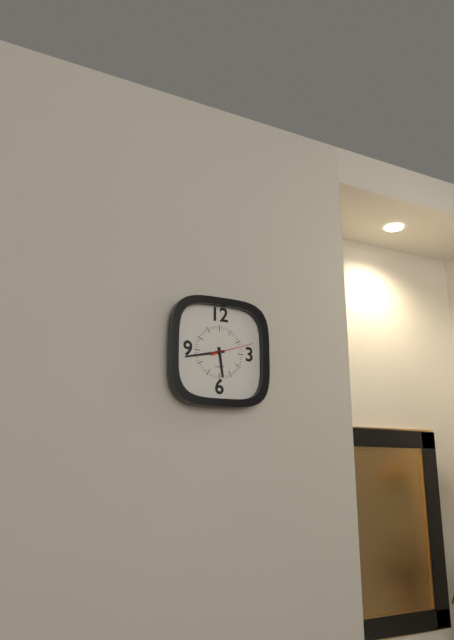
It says 5.43
